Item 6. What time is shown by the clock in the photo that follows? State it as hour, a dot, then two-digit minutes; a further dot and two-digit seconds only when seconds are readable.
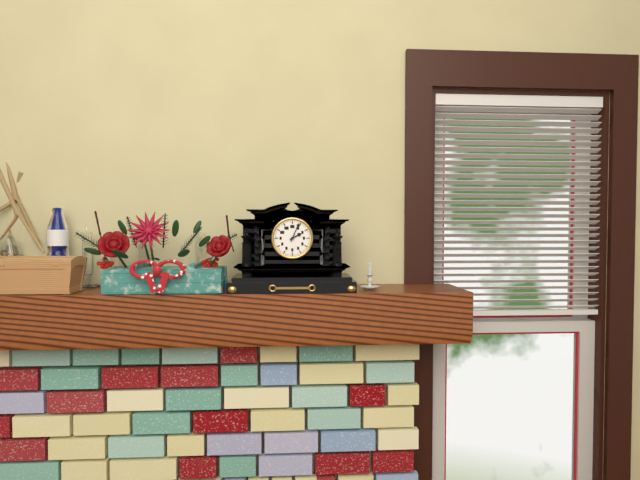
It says 2.04
